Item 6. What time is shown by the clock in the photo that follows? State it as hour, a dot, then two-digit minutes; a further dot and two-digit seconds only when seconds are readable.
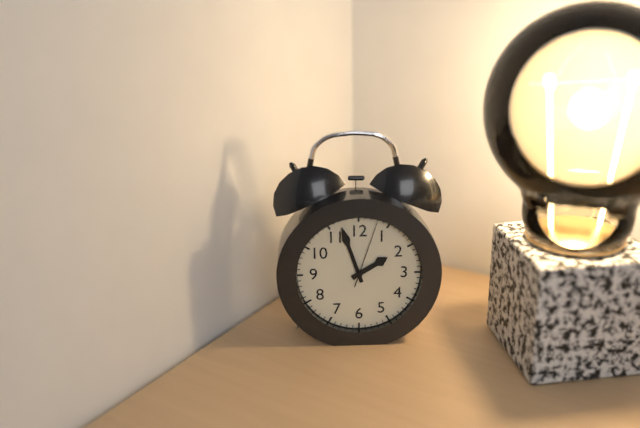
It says 1.57.03
